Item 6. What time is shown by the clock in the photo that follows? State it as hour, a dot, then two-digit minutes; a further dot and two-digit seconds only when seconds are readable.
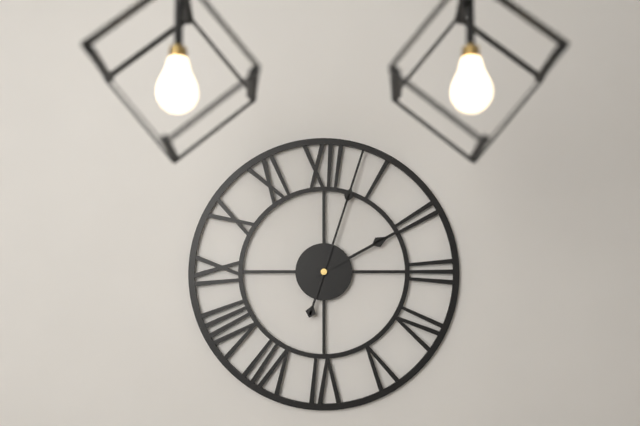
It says 2.03
